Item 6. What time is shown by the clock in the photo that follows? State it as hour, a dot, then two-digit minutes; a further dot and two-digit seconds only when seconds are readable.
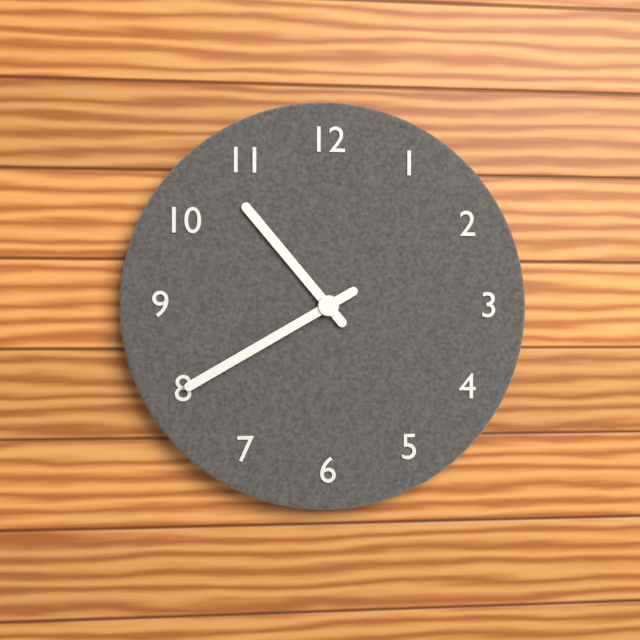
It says 10.40
